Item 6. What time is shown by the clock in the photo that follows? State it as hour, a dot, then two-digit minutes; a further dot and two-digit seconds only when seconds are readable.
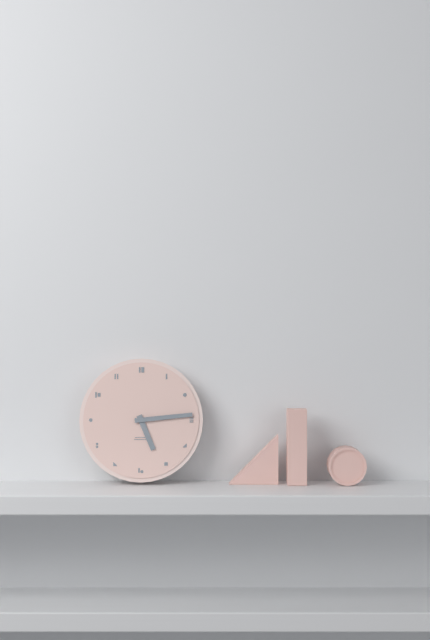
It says 5.14
